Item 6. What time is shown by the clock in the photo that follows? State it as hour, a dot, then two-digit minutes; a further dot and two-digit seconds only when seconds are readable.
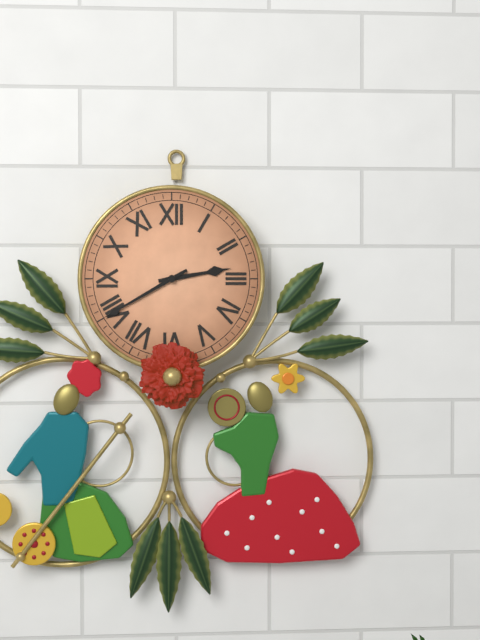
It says 2.40
